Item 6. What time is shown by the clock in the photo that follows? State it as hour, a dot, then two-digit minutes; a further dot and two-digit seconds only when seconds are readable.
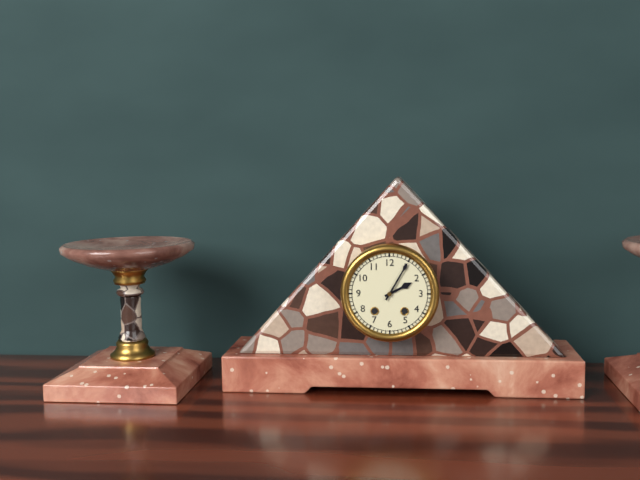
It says 2.05
